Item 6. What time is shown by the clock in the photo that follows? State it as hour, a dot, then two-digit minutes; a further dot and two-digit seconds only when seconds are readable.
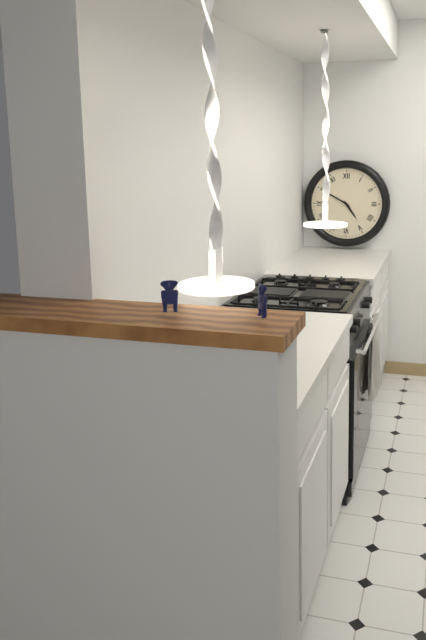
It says 4.50
